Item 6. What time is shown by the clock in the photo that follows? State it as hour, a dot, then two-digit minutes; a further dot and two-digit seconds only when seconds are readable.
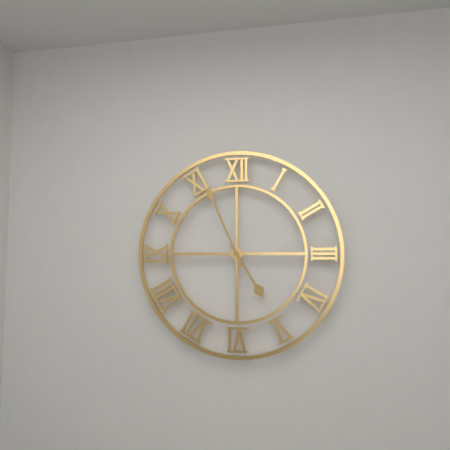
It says 4.56
